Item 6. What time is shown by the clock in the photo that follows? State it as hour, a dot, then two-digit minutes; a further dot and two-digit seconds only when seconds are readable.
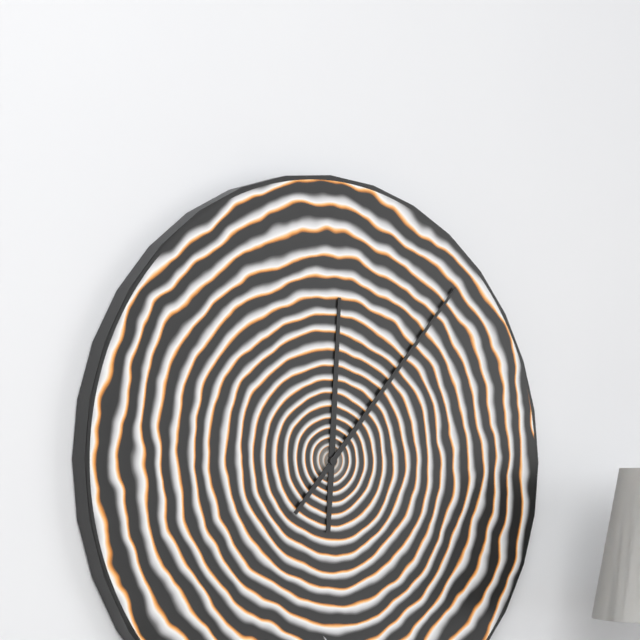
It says 12.07
